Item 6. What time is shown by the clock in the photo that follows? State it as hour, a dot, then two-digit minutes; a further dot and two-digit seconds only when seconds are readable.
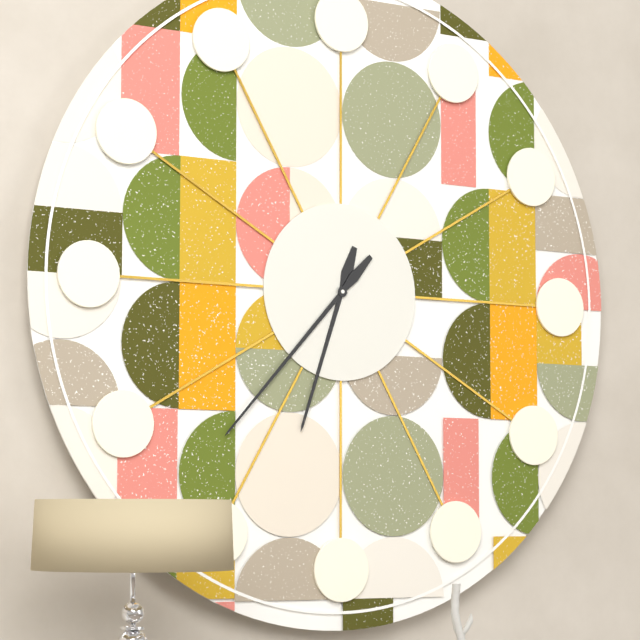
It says 6.37
